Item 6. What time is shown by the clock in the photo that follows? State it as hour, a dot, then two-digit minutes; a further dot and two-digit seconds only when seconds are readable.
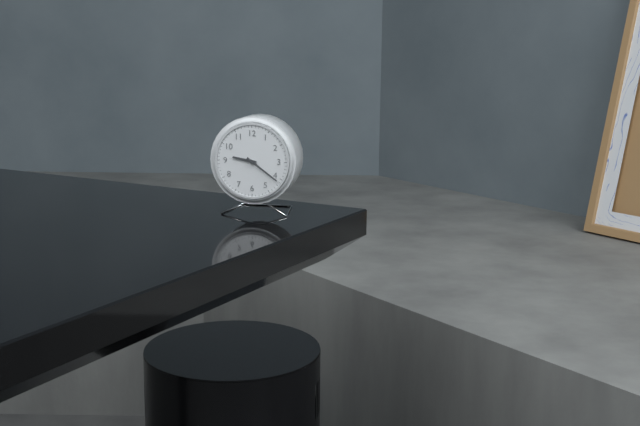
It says 9.21
